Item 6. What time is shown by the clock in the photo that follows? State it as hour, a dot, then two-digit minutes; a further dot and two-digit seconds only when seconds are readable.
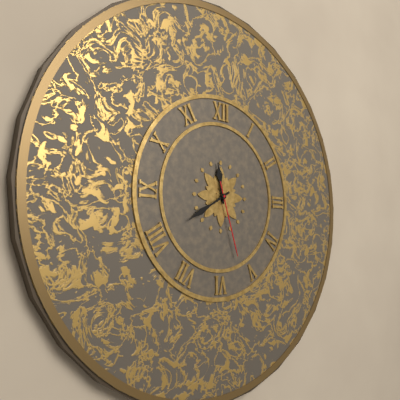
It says 11.40.27
